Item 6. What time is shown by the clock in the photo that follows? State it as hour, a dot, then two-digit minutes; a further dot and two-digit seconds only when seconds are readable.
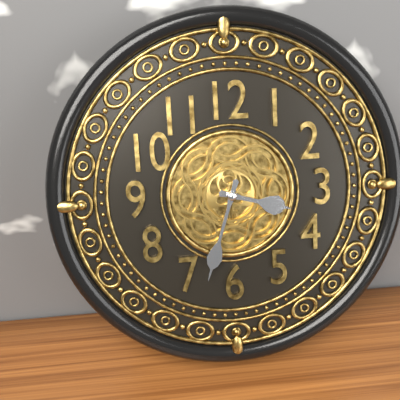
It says 3.33
